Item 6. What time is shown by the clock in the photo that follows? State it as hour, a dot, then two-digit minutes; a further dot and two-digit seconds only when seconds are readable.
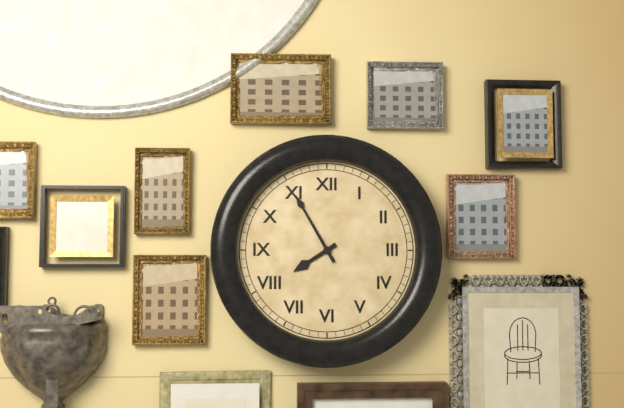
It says 7.55
